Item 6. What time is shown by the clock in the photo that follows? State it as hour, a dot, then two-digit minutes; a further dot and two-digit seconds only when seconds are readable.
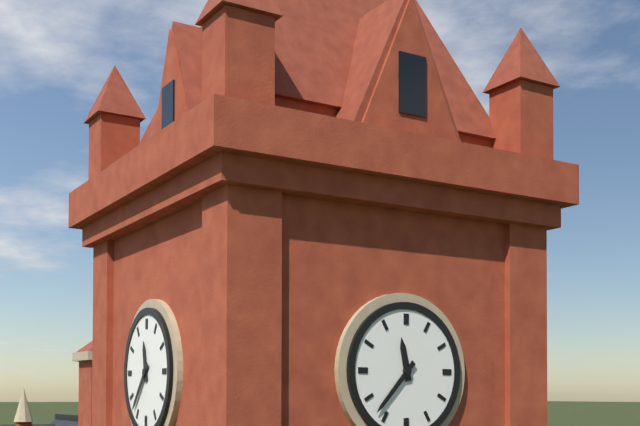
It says 11.37
